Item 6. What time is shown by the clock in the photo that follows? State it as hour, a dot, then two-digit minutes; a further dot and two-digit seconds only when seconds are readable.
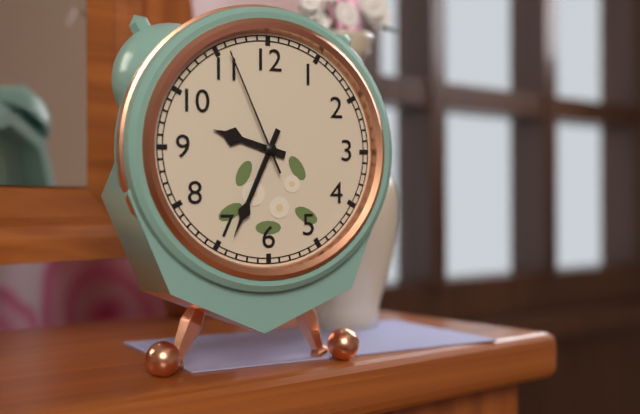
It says 9.34.56
